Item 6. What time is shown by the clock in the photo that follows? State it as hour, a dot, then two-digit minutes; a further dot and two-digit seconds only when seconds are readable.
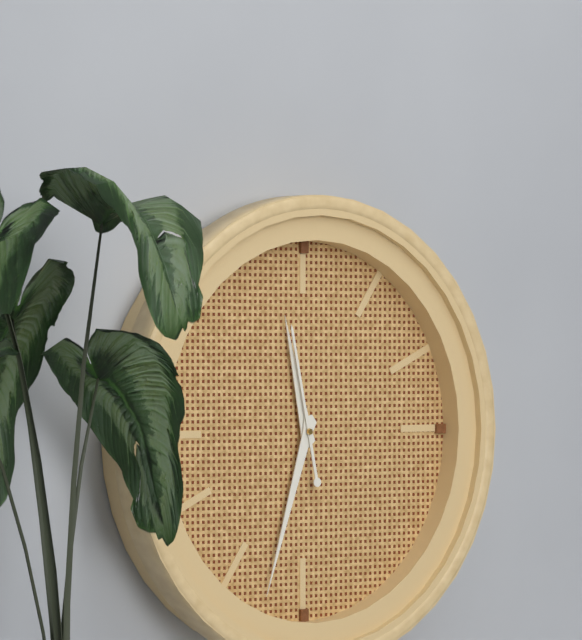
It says 11.33.58
